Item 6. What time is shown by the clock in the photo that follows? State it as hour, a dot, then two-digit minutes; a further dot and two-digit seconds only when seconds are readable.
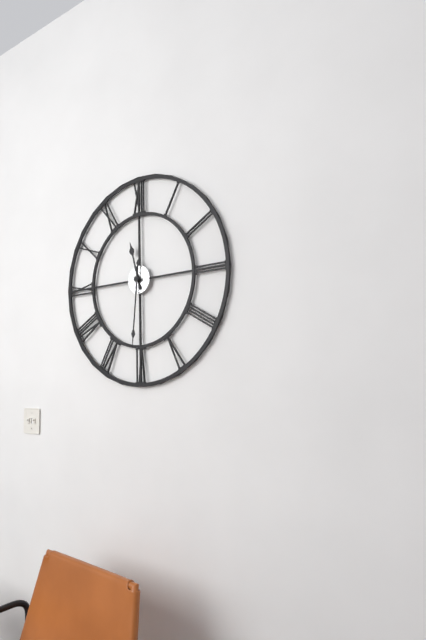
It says 11.31
